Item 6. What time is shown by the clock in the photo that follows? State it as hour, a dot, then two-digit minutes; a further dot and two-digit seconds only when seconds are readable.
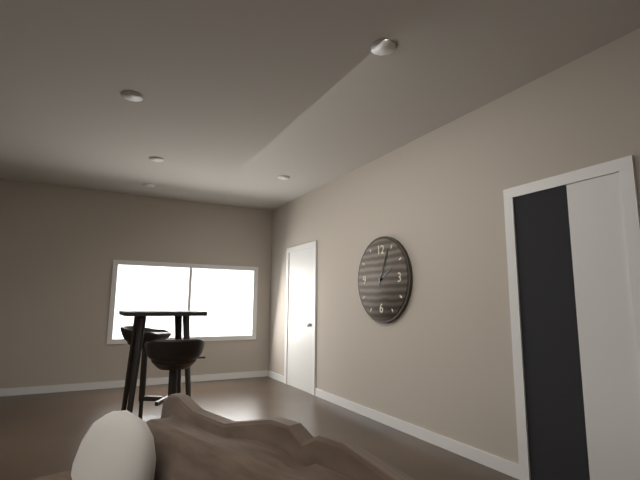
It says 2.04
